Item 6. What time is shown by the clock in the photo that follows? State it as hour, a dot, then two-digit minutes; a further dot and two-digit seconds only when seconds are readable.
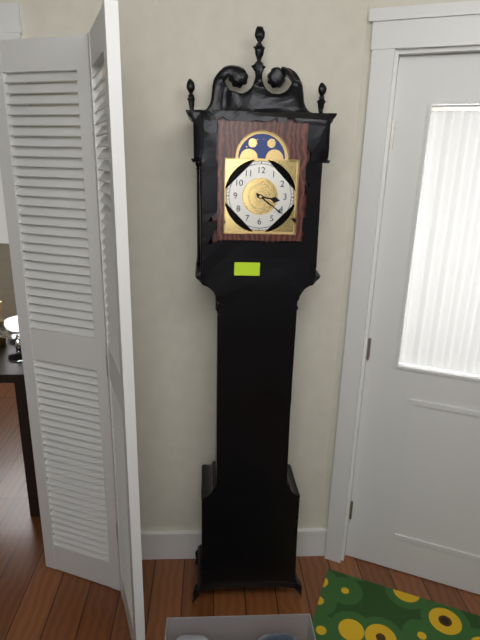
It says 3.21
